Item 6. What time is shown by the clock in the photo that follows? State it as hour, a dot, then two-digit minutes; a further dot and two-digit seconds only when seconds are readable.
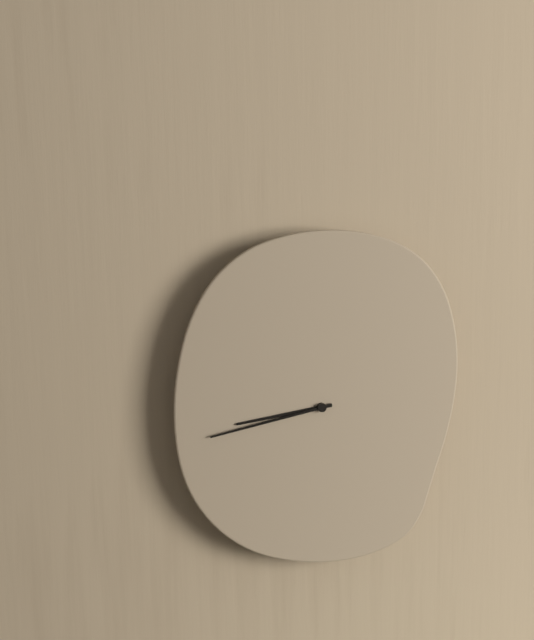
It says 8.43
